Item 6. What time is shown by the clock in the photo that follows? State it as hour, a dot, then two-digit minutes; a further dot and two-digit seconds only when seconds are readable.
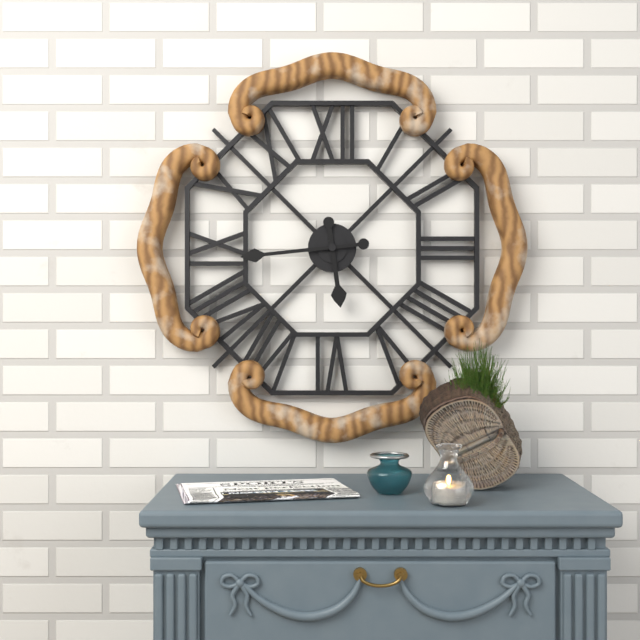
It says 5.44
